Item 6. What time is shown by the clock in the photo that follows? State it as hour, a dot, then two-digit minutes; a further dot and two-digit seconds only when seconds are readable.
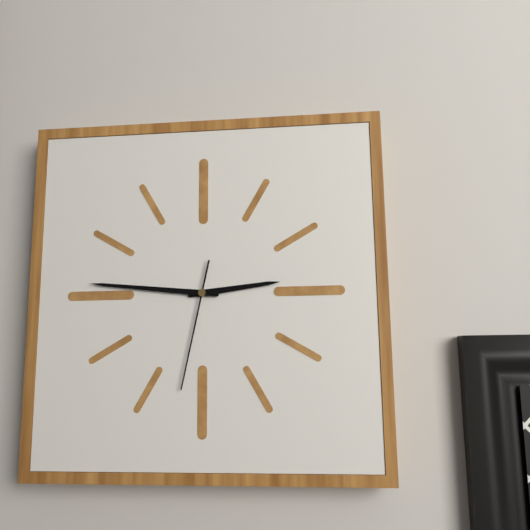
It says 2.46.32
